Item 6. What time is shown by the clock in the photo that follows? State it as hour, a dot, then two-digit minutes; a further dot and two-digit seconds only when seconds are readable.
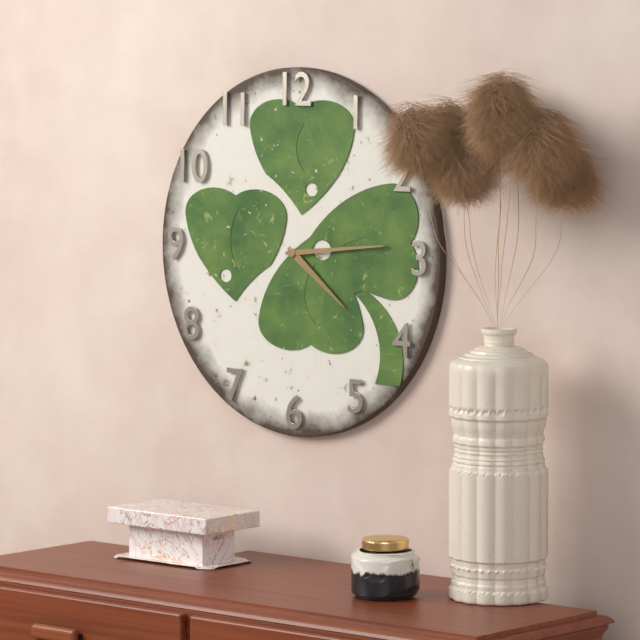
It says 4.14
